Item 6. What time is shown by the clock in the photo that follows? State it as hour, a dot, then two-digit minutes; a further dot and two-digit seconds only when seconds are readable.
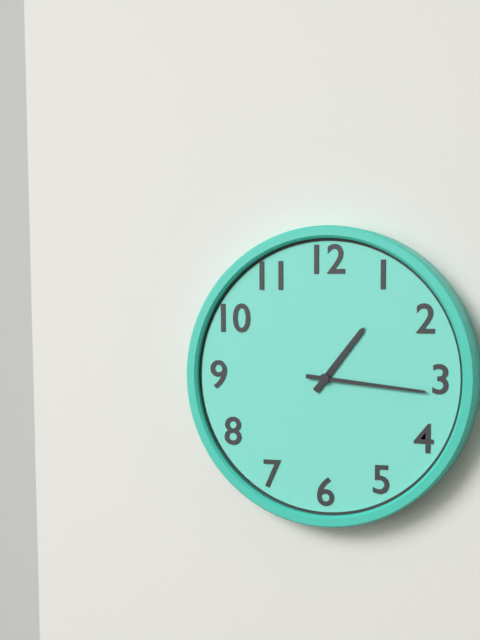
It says 1.16
